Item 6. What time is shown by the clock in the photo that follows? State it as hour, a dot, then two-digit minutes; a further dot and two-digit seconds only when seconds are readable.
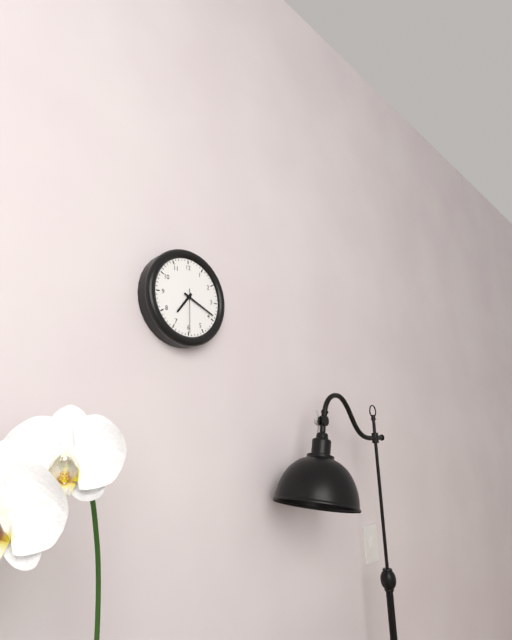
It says 7.19
